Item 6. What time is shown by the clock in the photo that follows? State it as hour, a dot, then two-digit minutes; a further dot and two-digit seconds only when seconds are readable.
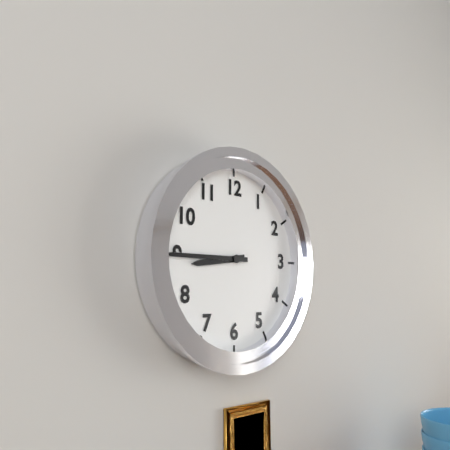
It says 8.45
